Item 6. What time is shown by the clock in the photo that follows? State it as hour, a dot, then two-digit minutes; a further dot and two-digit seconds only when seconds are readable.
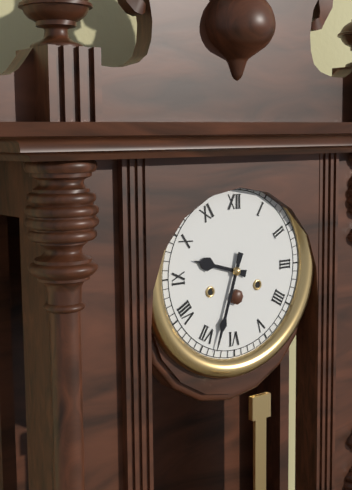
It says 9.33
